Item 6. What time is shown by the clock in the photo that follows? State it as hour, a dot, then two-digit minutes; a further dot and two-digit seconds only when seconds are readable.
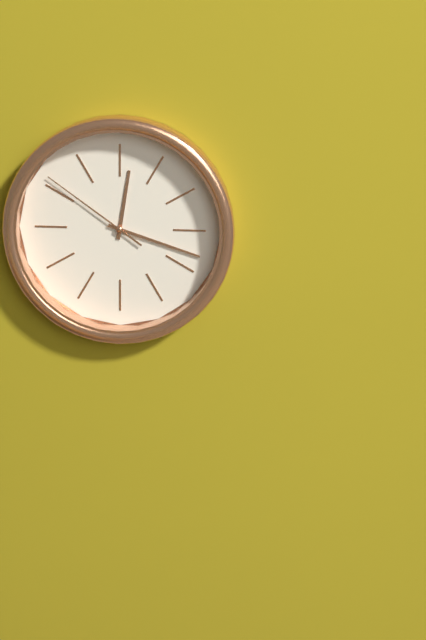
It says 12.18.51
